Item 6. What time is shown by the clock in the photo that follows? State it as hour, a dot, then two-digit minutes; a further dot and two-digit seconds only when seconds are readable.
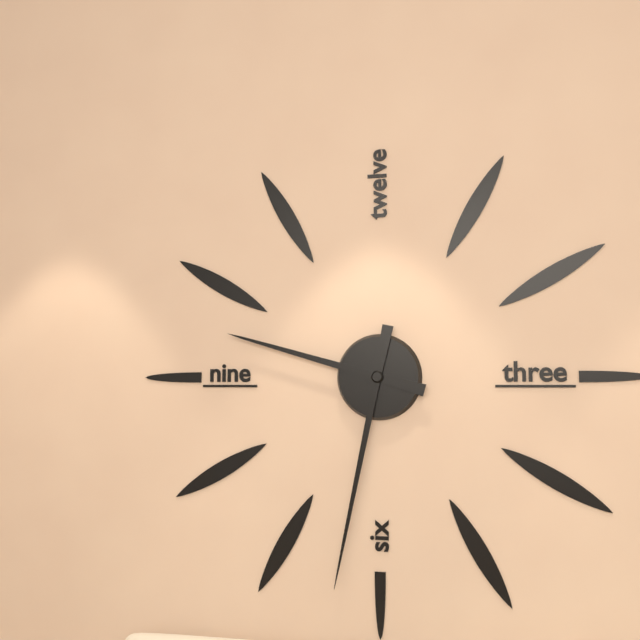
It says 9.32
